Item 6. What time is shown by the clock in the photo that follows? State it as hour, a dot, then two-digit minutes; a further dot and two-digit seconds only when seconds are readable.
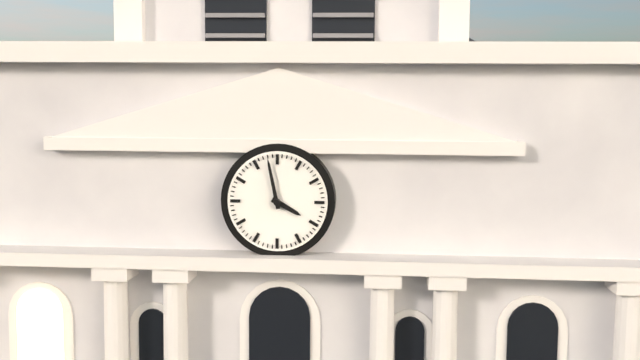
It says 3.58
